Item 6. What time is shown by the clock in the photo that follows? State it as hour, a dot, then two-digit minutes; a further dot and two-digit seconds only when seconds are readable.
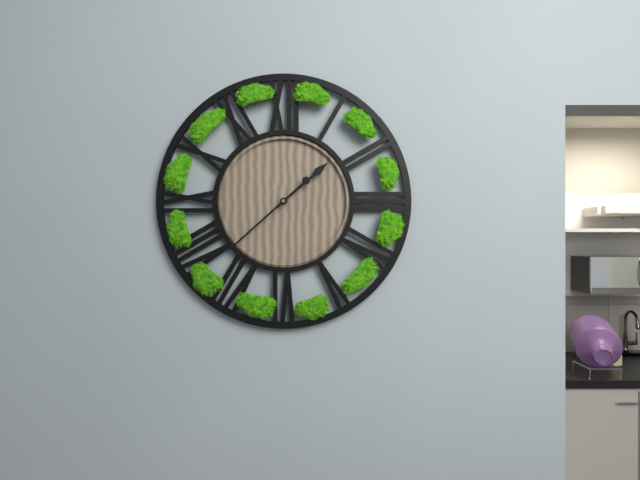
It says 1.38
